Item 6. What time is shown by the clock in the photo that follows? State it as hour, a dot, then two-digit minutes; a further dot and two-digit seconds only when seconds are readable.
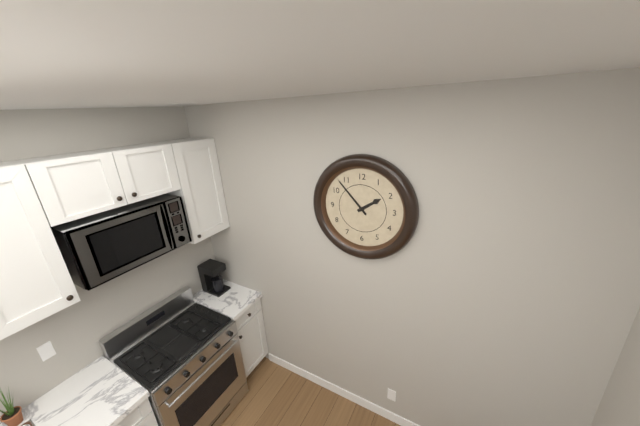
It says 1.53
